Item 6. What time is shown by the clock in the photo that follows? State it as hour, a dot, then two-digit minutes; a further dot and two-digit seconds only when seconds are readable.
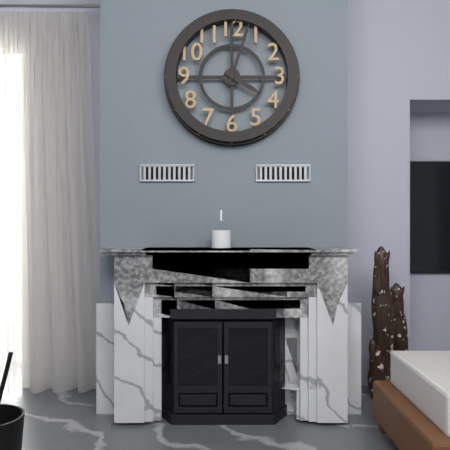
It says 4.03
